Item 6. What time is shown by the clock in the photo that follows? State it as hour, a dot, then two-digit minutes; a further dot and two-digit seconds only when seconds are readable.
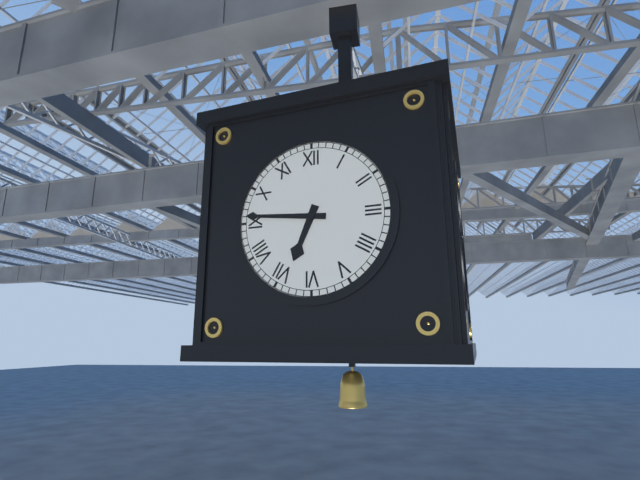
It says 6.46
